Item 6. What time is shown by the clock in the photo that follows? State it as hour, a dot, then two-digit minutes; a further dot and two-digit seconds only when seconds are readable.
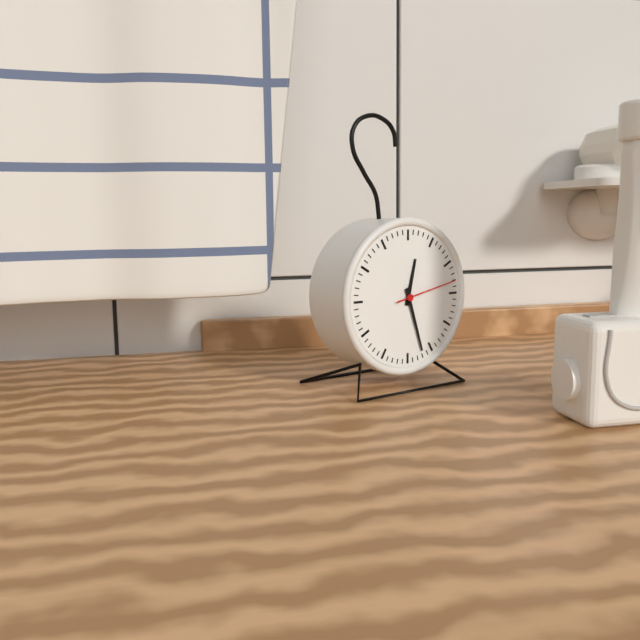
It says 12.27.13
